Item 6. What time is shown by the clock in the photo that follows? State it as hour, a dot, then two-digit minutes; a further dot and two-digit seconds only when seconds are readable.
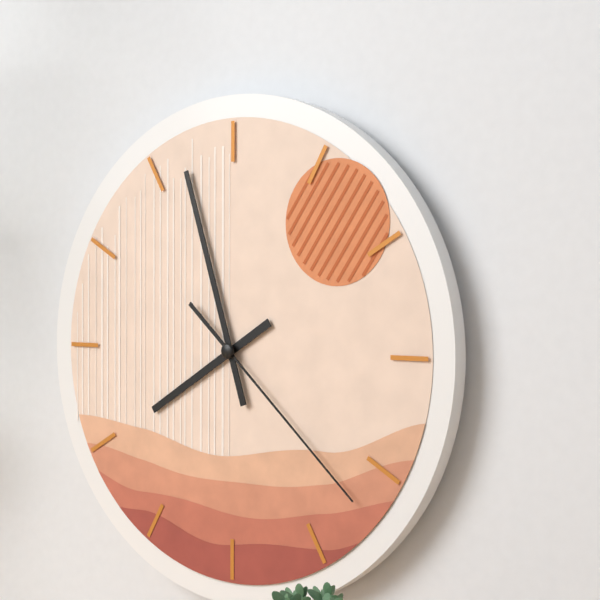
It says 7.57.22
